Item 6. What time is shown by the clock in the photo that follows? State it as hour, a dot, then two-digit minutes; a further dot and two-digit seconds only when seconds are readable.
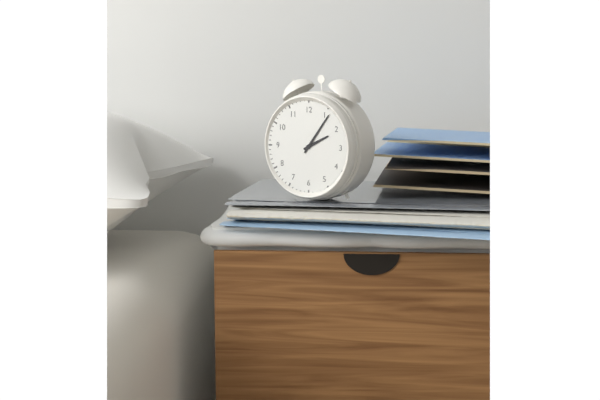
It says 2.06
